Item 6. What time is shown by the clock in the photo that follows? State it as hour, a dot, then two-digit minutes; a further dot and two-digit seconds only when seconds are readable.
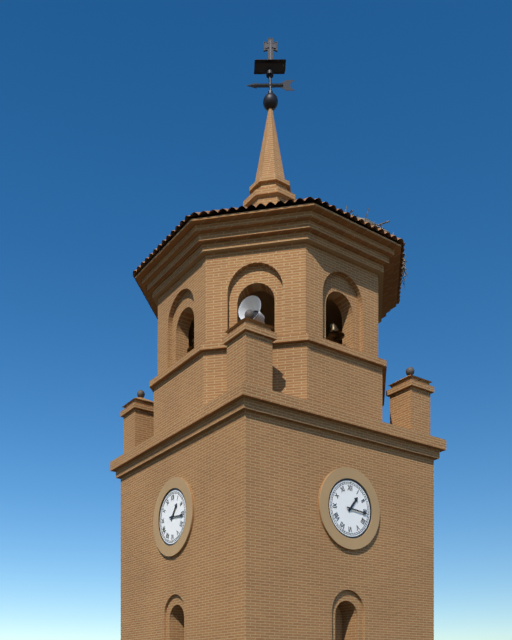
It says 1.16
